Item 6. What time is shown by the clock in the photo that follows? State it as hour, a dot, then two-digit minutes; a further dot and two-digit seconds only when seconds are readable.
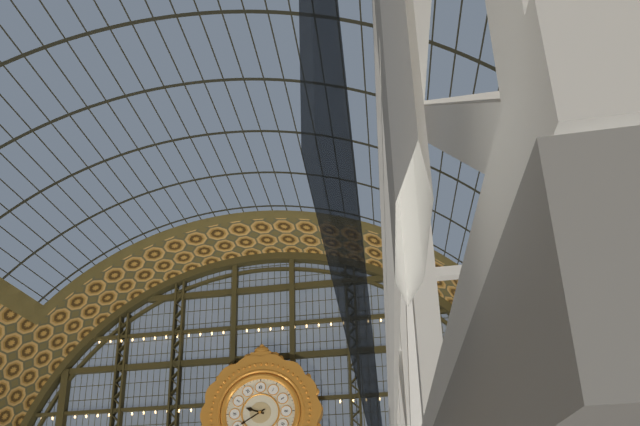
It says 9.40
